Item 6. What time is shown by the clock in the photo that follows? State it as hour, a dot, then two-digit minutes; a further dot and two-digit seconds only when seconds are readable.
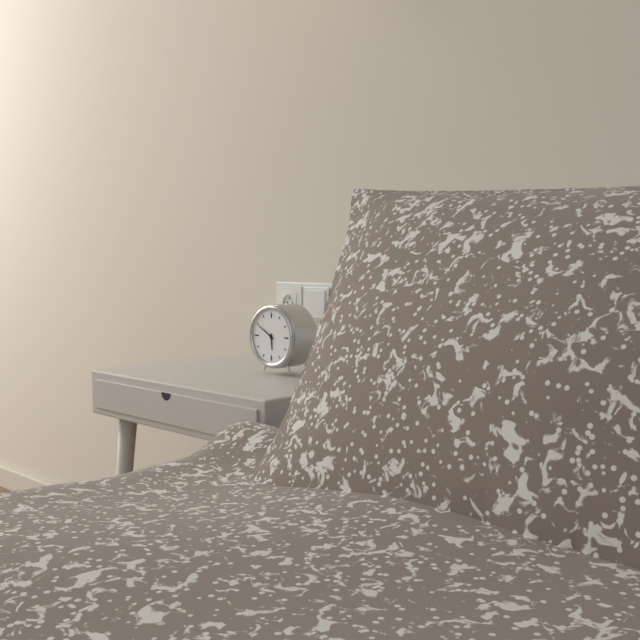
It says 5.50
